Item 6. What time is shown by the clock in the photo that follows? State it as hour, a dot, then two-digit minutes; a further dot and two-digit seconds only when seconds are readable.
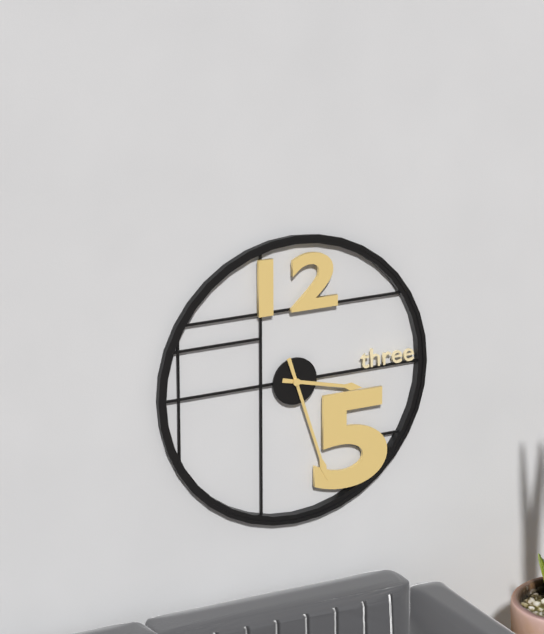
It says 3.27
